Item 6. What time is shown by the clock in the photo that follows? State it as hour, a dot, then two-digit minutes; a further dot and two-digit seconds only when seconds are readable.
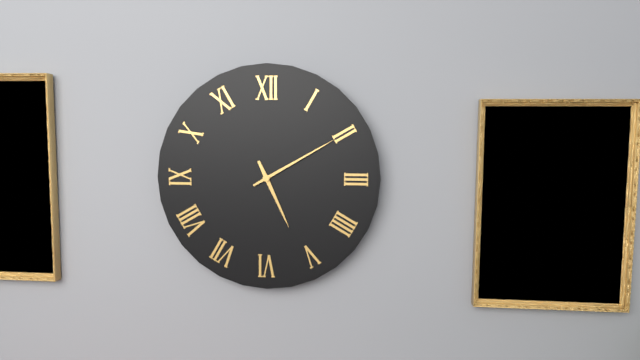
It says 5.10
